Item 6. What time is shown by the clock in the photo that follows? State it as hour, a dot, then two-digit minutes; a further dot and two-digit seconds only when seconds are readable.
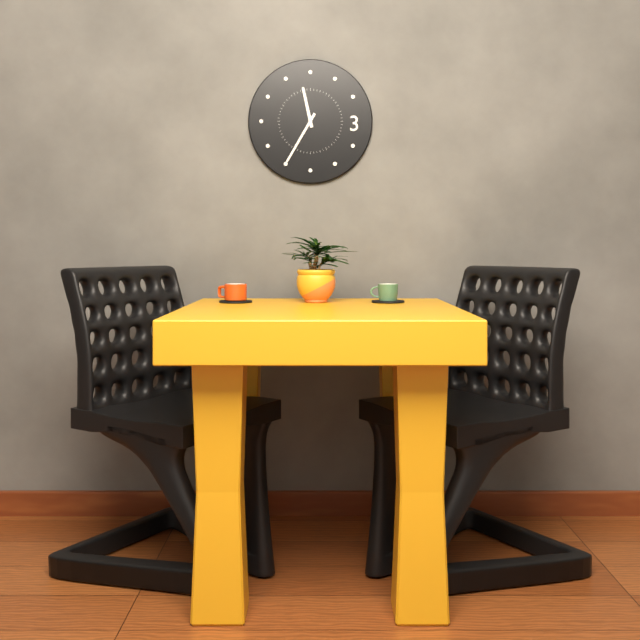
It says 11.35
